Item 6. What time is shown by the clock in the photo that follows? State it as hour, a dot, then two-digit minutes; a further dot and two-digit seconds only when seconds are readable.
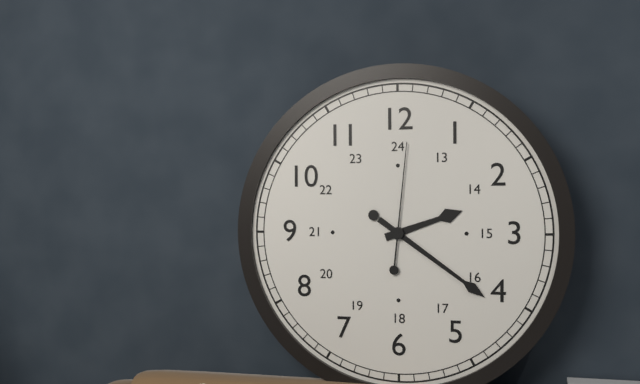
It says 2.21.01
